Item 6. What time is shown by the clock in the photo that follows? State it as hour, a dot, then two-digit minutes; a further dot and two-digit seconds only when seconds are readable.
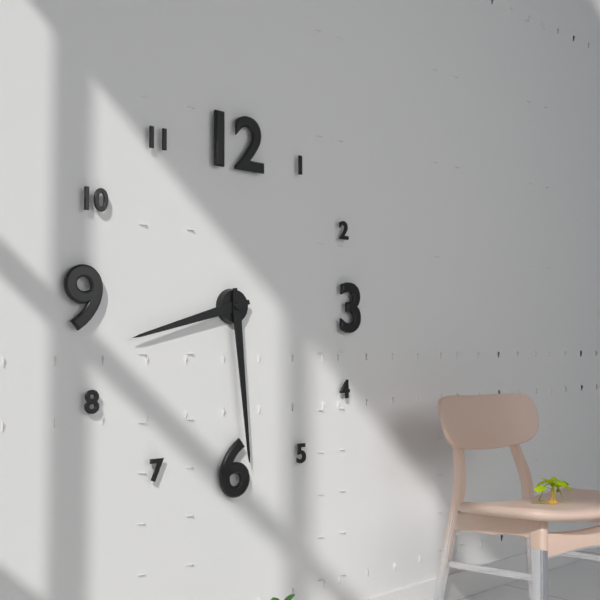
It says 8.29
